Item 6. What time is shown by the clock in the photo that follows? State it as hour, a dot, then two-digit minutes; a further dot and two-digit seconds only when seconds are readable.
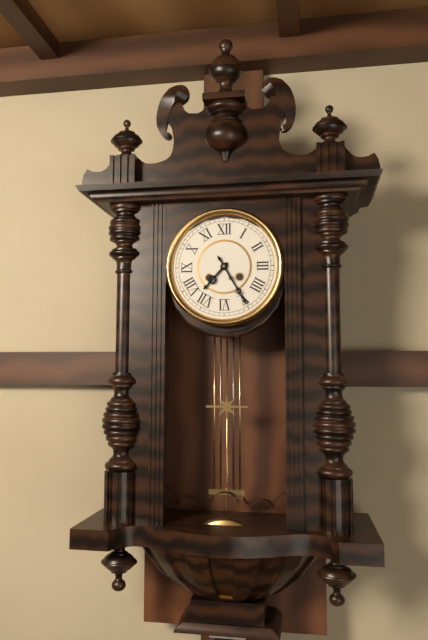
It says 7.25
